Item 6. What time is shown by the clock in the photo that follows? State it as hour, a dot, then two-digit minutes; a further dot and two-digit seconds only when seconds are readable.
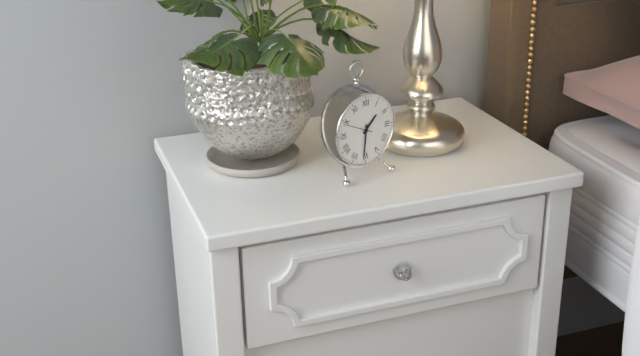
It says 1.31
